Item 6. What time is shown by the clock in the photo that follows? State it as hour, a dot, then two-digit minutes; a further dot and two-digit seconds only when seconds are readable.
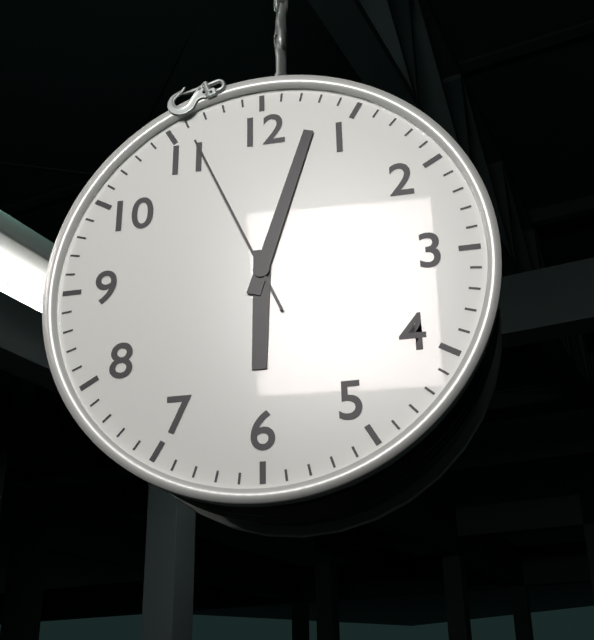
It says 6.03.56
